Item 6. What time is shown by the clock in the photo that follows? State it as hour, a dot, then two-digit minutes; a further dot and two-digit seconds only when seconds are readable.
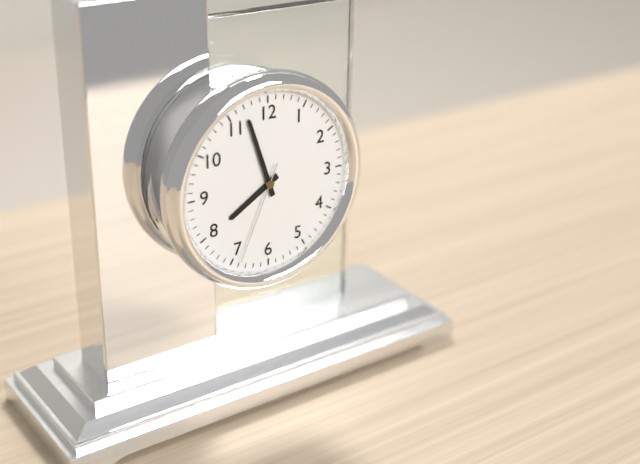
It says 7.57.34
